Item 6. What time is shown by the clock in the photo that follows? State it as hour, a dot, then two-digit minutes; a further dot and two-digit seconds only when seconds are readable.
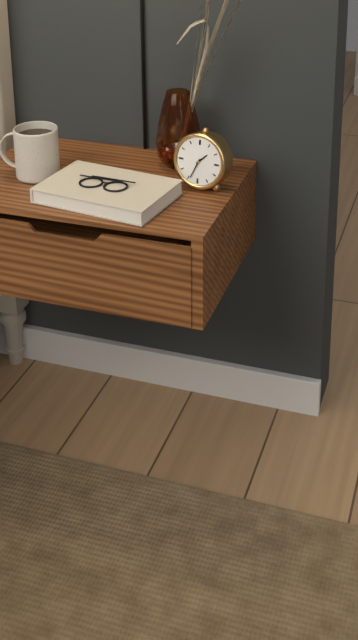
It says 1.34
